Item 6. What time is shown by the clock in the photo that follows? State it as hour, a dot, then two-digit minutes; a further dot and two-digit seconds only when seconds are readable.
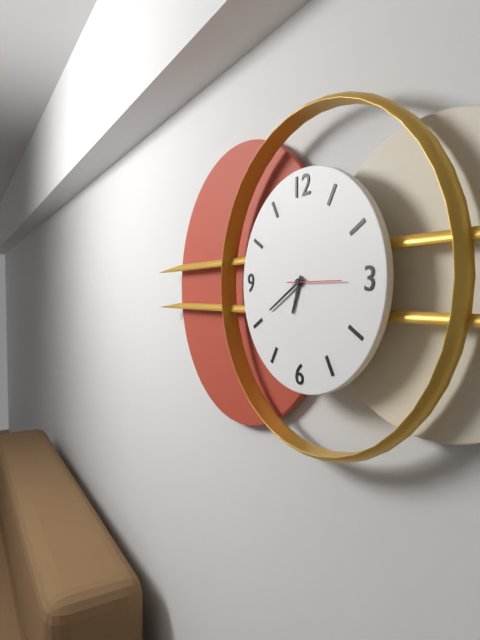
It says 6.40.15
